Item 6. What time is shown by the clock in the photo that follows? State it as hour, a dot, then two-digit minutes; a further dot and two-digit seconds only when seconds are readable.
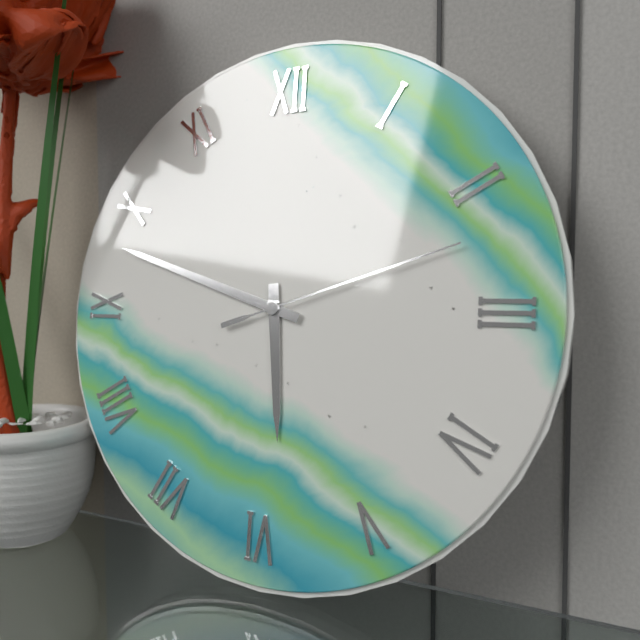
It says 5.48.12
